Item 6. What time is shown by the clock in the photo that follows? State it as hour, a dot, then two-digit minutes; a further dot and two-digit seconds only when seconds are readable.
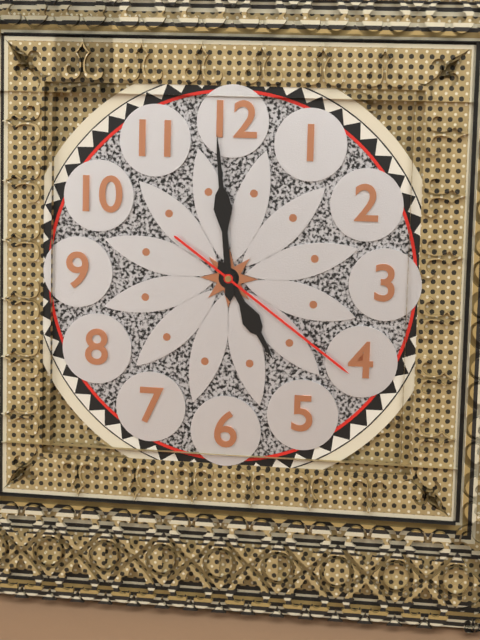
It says 4.59.21
